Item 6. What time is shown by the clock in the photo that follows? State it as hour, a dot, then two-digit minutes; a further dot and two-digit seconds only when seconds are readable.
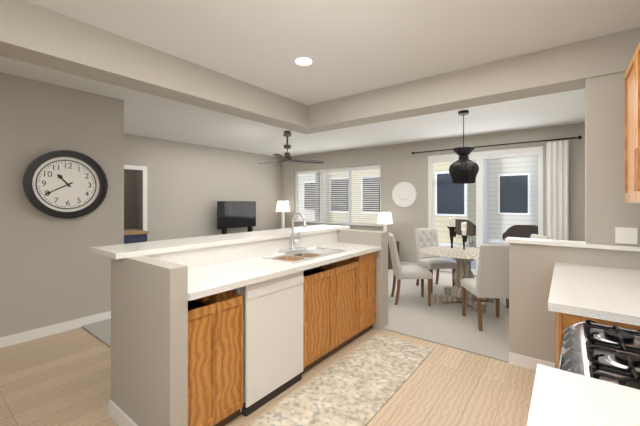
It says 10.40
